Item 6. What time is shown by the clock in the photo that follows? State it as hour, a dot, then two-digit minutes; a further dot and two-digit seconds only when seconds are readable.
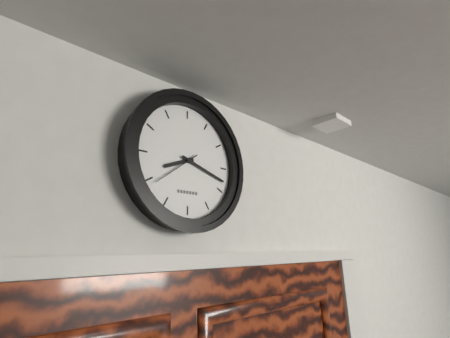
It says 8.18
